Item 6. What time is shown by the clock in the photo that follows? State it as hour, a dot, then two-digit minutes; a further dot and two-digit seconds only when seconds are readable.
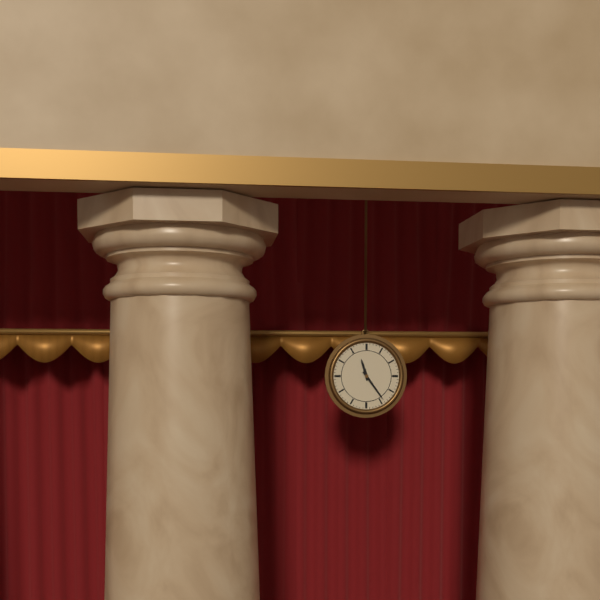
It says 11.24
